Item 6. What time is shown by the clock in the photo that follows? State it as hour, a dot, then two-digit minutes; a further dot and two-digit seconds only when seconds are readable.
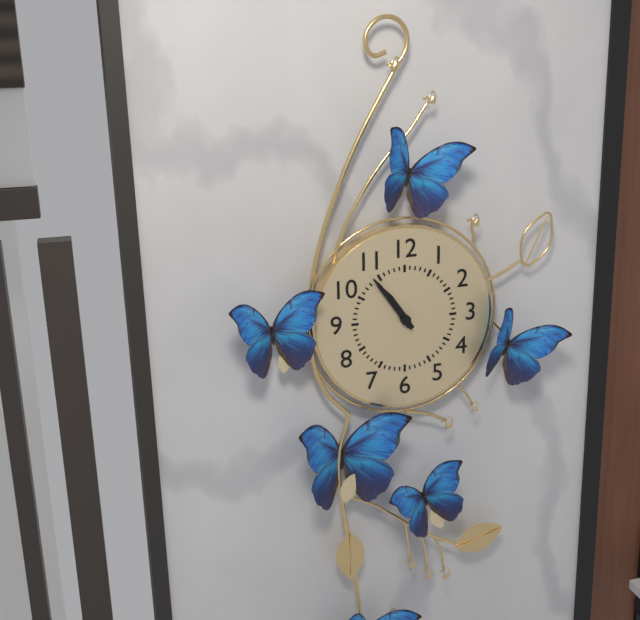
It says 10.54
